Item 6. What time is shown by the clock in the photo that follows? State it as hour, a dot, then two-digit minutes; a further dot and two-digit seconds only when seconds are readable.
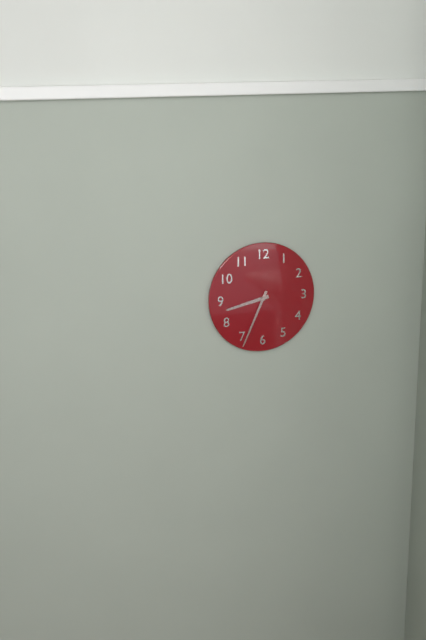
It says 8.34
